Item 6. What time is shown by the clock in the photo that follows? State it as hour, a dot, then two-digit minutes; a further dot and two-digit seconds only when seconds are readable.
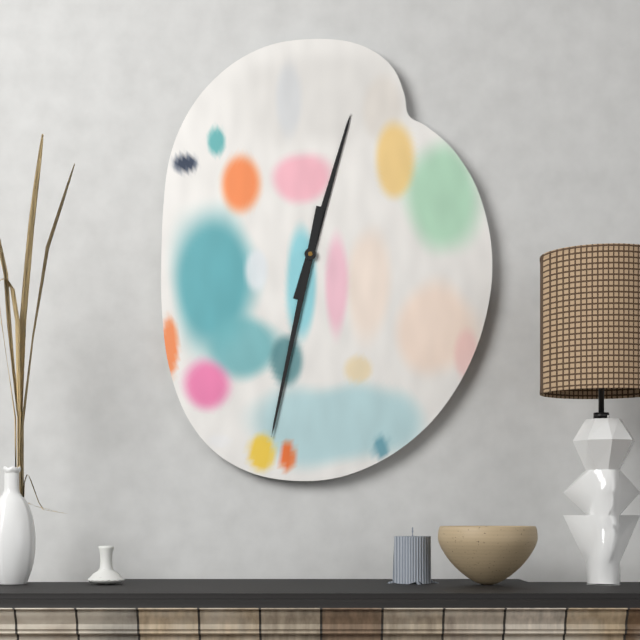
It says 12.32
